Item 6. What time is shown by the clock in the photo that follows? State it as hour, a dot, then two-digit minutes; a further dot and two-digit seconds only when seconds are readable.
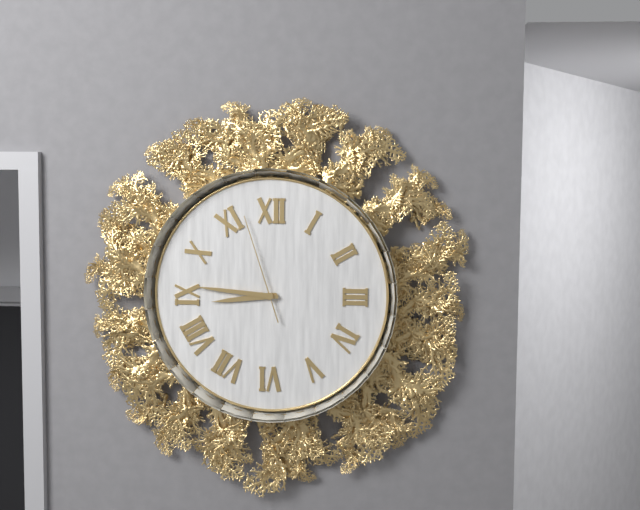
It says 8.46.57
